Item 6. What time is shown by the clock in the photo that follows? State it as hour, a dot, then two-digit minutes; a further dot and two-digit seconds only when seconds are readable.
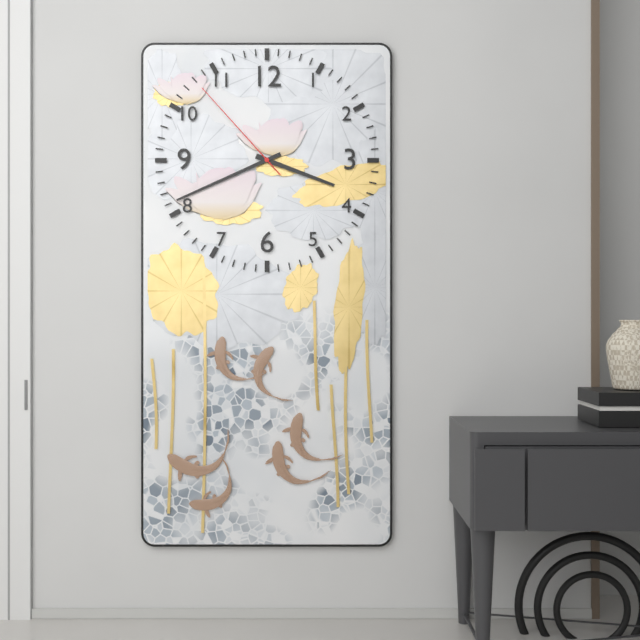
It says 3.41.53
